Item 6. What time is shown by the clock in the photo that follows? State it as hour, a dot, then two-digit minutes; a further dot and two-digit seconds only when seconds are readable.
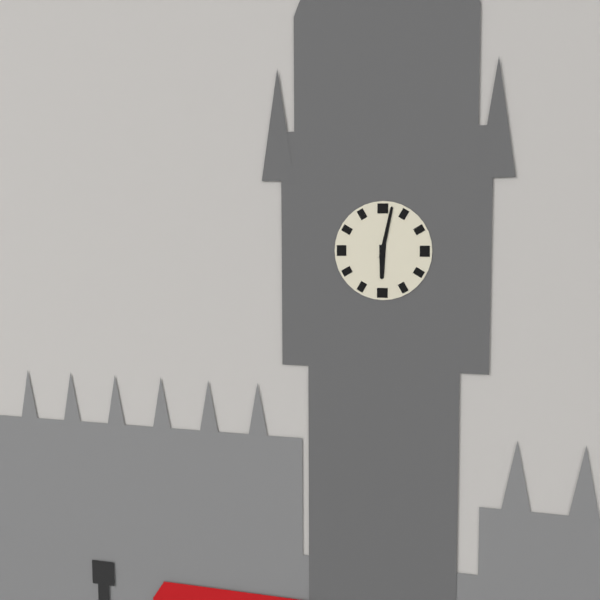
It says 6.02
